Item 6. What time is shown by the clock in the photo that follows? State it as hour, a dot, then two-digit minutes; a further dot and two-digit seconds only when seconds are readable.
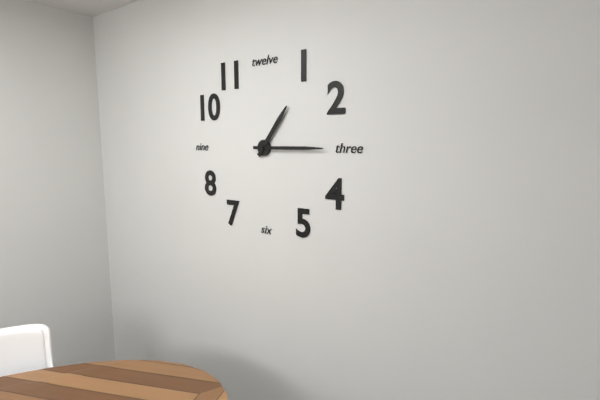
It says 1.15
